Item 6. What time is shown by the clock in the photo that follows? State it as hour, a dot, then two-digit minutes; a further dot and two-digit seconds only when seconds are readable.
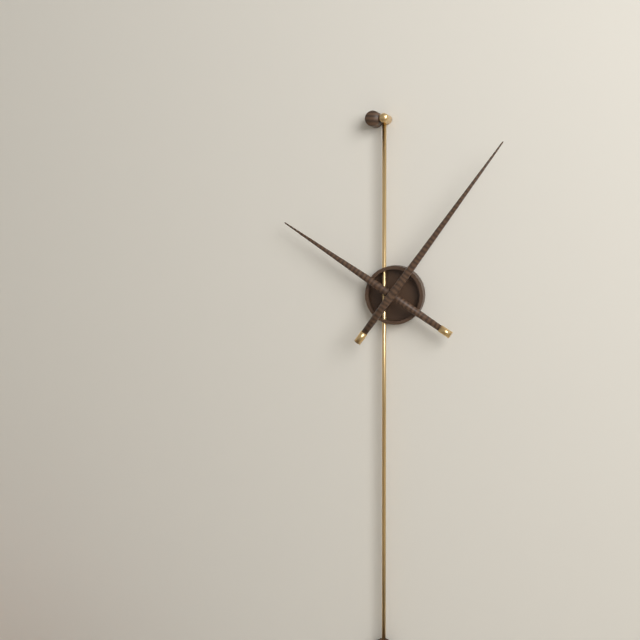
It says 10.06
